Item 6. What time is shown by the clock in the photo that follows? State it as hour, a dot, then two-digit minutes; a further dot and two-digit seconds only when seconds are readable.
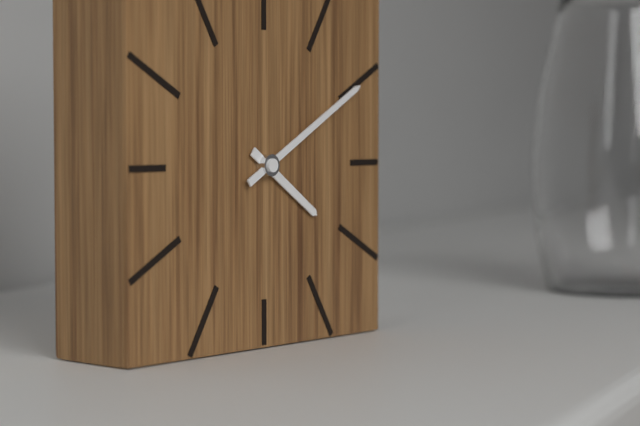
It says 4.10
